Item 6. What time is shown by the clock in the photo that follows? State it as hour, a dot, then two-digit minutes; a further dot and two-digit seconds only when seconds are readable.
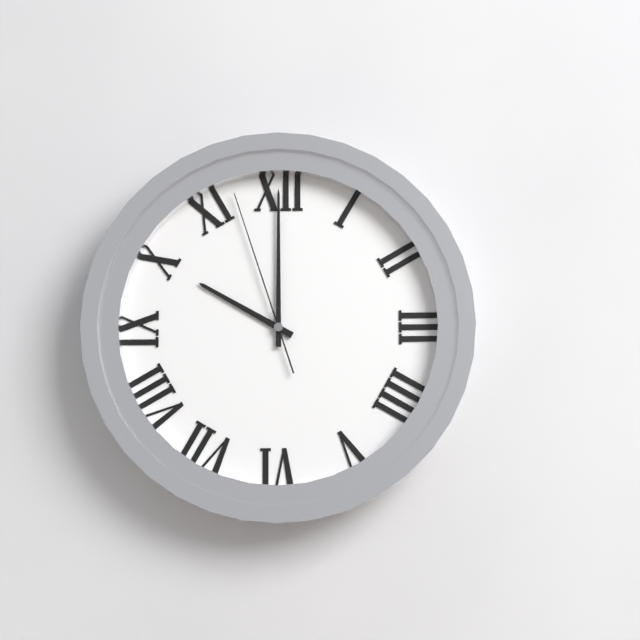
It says 10.00.57
